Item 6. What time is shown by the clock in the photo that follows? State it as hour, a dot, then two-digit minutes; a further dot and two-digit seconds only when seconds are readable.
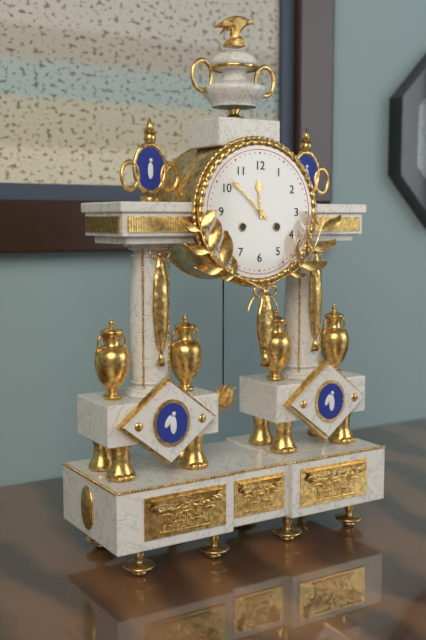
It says 11.52
